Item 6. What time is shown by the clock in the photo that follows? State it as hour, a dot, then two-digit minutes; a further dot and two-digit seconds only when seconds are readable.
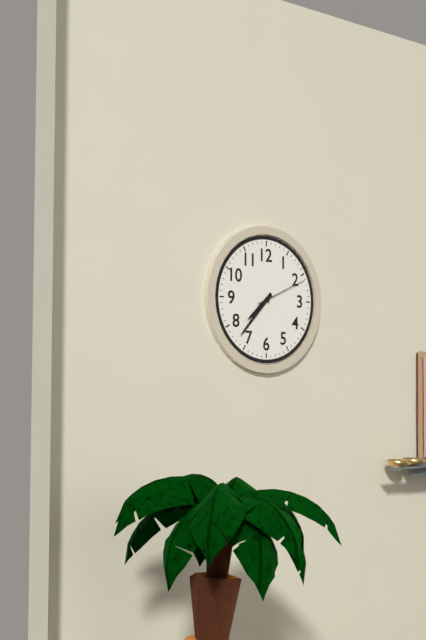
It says 7.37.11
